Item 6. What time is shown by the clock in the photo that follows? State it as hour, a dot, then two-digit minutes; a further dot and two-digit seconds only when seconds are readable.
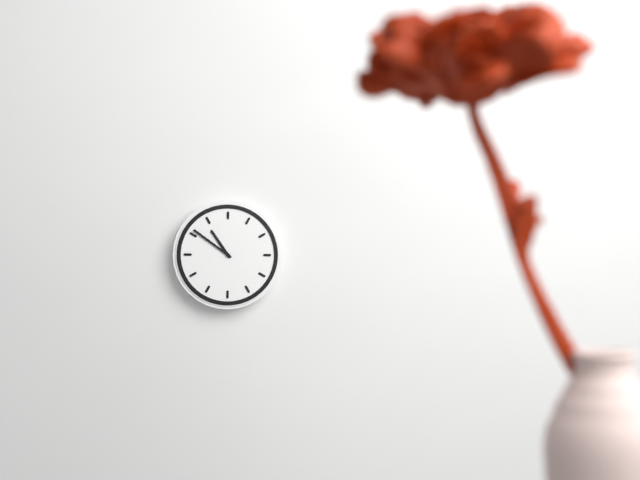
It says 10.51
